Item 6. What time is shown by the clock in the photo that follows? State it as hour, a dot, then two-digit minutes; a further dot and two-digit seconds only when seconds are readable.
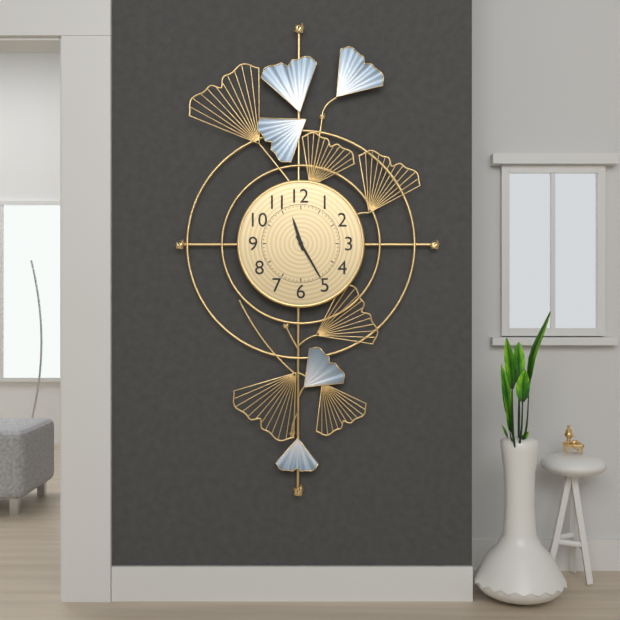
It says 11.25
